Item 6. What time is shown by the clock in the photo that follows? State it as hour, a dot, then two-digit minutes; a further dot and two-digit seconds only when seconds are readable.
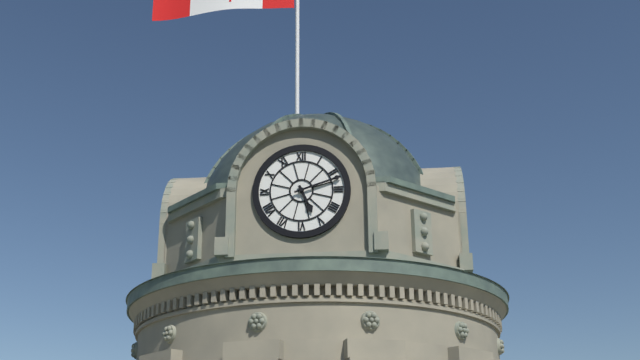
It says 5.12
